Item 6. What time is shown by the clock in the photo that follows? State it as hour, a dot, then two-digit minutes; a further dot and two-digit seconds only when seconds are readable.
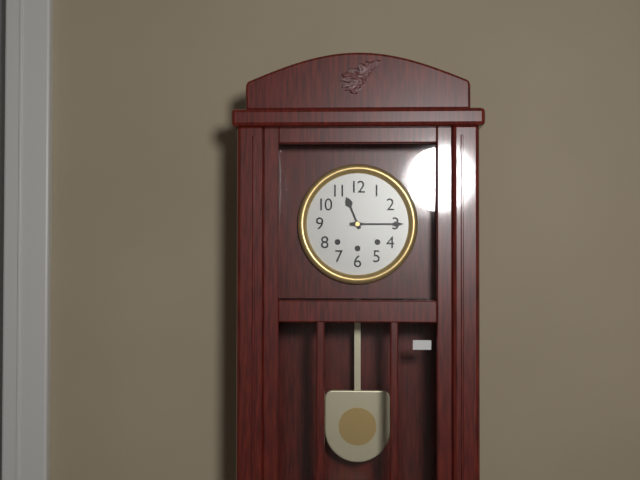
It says 11.15
